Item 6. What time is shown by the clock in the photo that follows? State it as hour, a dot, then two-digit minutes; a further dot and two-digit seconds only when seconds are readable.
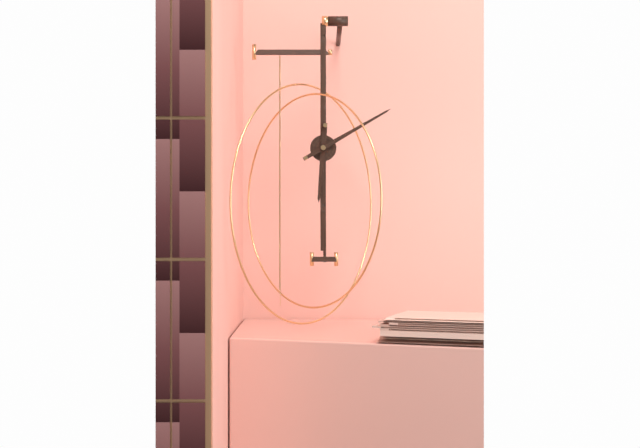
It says 6.10
